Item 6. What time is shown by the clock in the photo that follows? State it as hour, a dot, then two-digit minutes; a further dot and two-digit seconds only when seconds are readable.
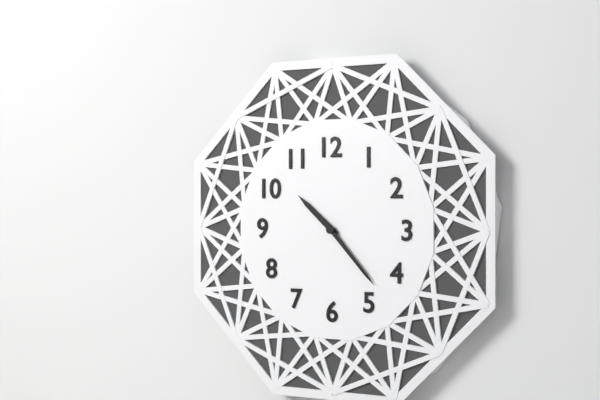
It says 10.23
